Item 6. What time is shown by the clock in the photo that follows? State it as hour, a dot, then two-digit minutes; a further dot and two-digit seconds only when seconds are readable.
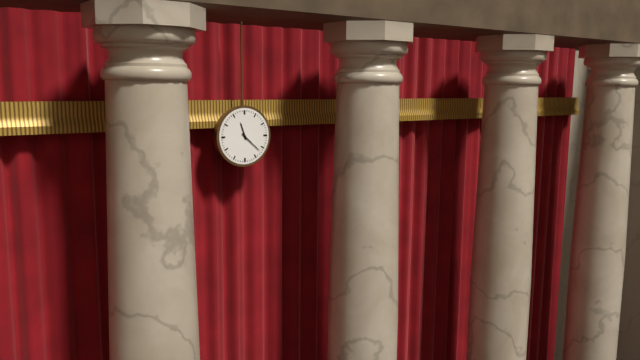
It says 11.22
